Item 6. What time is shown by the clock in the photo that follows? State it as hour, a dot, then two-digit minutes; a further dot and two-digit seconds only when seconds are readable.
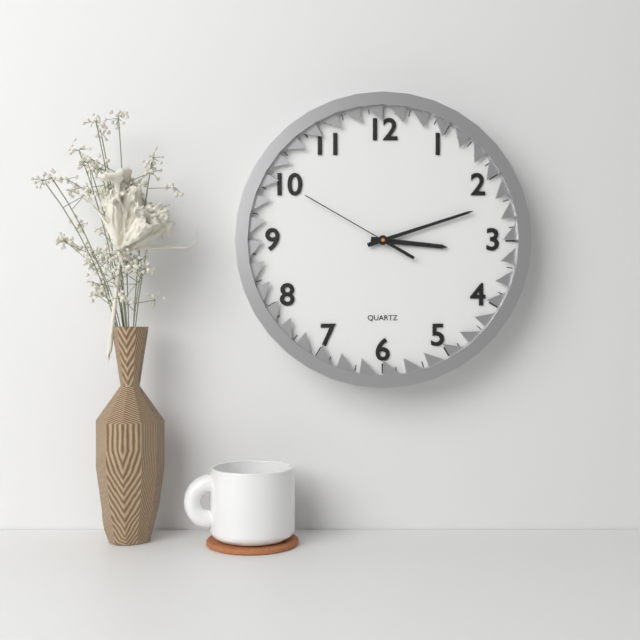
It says 3.12.50
